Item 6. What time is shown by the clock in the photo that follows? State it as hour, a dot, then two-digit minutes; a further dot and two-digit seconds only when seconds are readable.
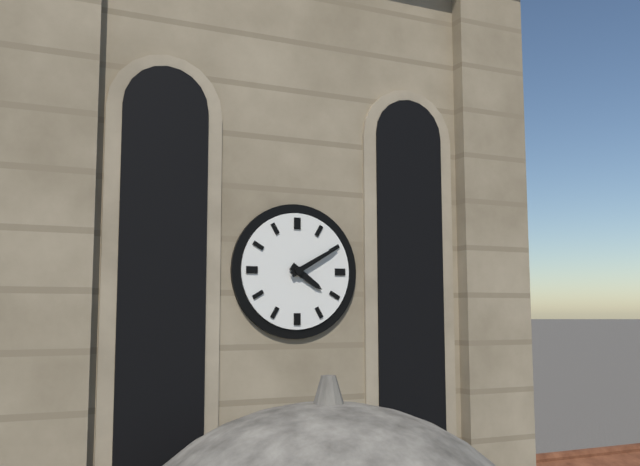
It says 4.10
